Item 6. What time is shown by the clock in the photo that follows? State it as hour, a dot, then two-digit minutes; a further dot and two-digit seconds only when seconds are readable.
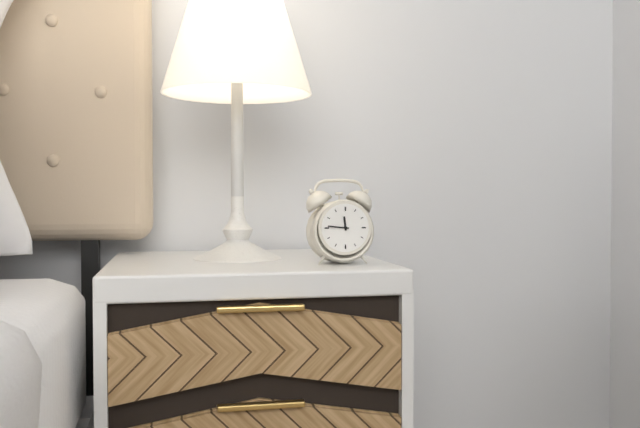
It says 11.46
